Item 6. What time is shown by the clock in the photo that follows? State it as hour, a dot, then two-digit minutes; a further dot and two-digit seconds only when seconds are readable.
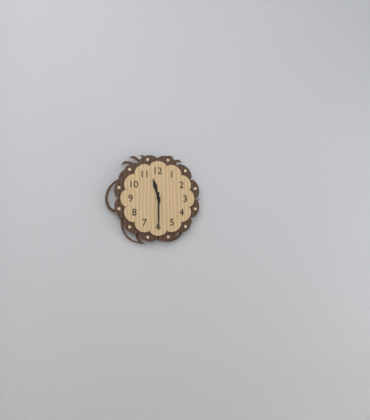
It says 11.30
